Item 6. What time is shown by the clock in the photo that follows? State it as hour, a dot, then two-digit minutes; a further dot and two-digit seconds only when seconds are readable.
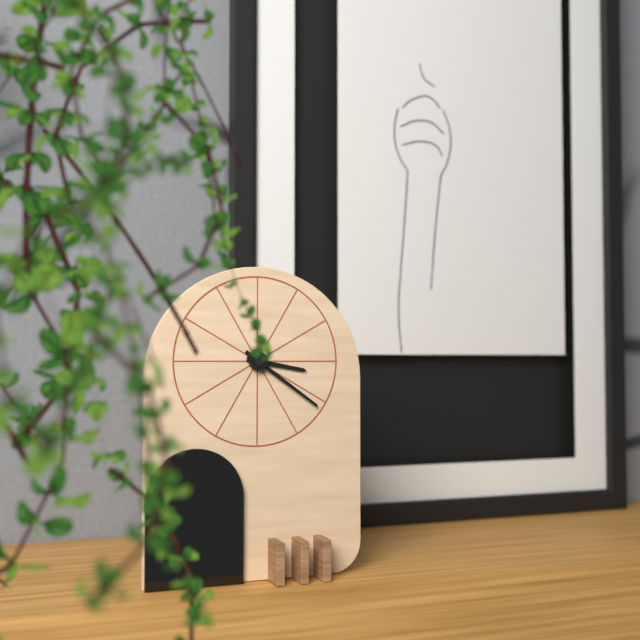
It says 3.21
